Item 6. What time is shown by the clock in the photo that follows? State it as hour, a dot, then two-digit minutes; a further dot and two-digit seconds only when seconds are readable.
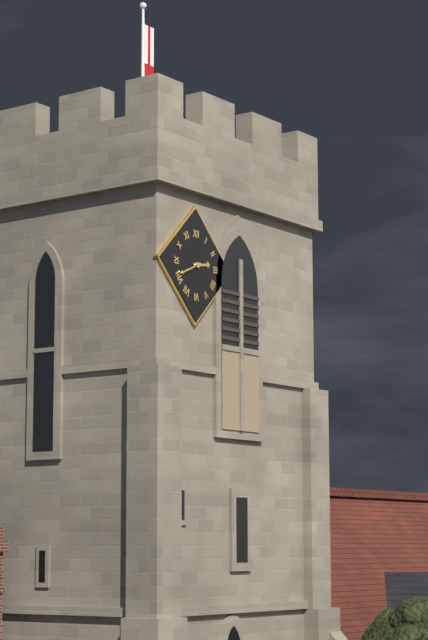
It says 2.41
